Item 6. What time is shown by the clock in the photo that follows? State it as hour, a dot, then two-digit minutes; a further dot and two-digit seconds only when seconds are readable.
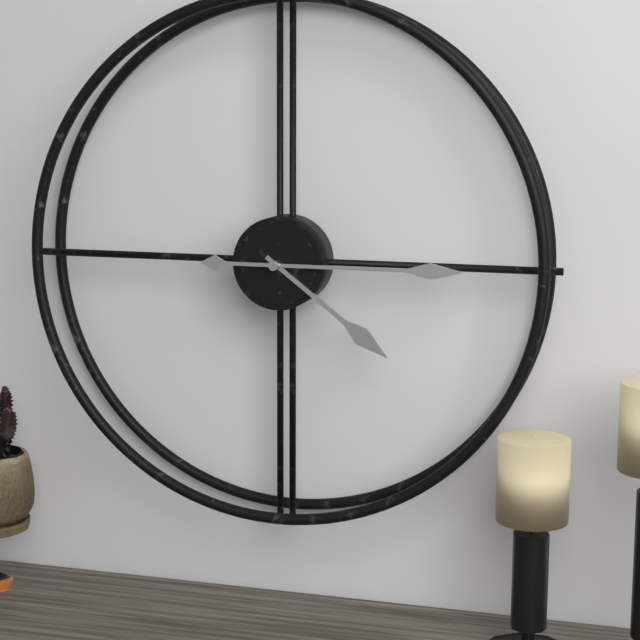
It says 4.15
